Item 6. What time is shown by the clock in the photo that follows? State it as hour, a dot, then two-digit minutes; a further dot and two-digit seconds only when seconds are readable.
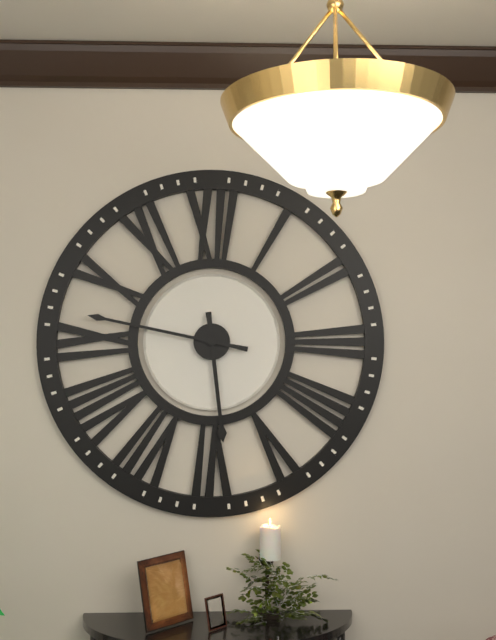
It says 5.47
